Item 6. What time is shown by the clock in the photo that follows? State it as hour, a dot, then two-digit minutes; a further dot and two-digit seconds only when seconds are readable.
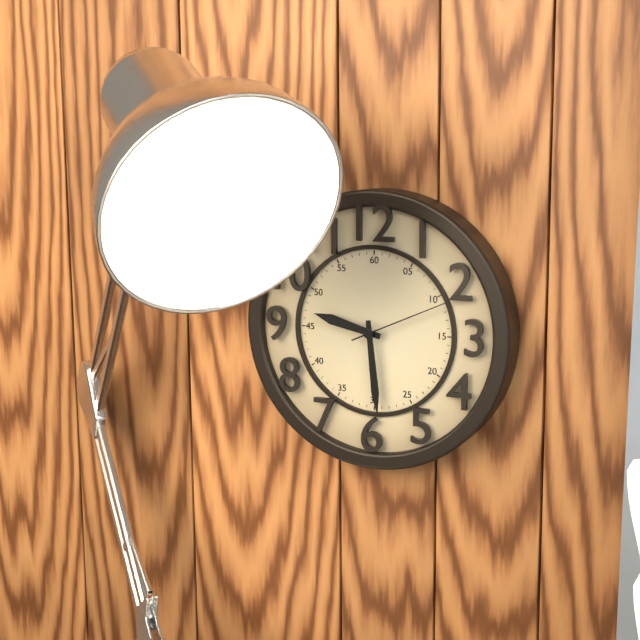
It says 9.29.11
